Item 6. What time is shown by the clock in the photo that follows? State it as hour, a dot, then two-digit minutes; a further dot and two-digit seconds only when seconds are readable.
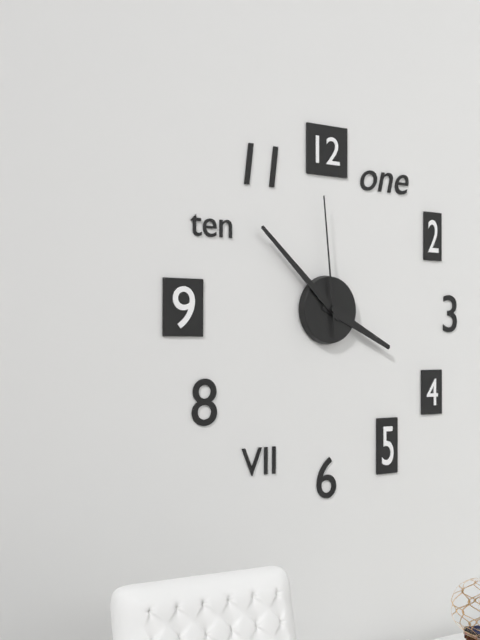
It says 3.52.59
